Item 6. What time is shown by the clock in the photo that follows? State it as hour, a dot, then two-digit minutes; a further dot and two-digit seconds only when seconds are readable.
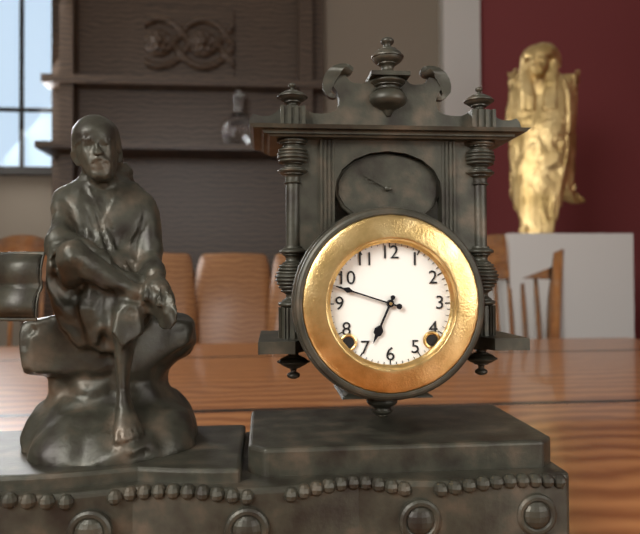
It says 6.48
